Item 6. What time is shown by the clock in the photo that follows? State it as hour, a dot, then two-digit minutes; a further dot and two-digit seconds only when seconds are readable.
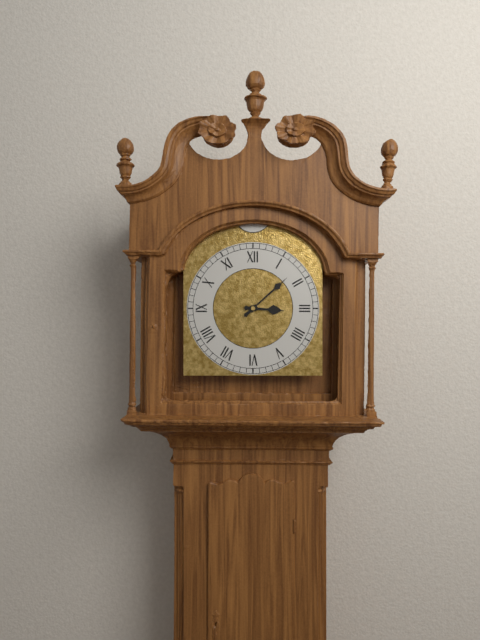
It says 3.08
